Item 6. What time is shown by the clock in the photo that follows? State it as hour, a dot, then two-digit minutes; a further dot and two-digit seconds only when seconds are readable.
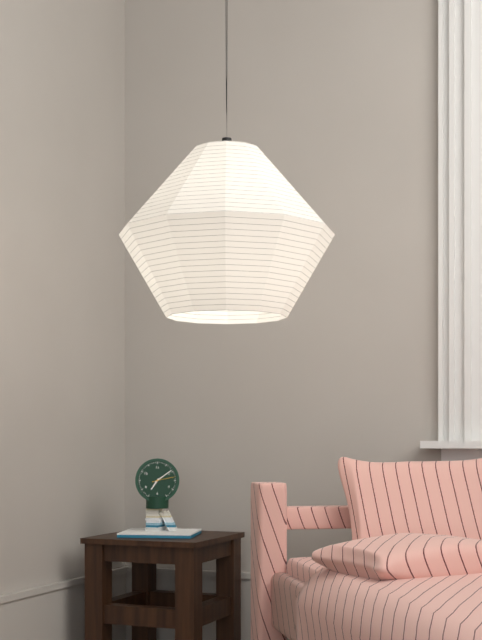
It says 7.09
